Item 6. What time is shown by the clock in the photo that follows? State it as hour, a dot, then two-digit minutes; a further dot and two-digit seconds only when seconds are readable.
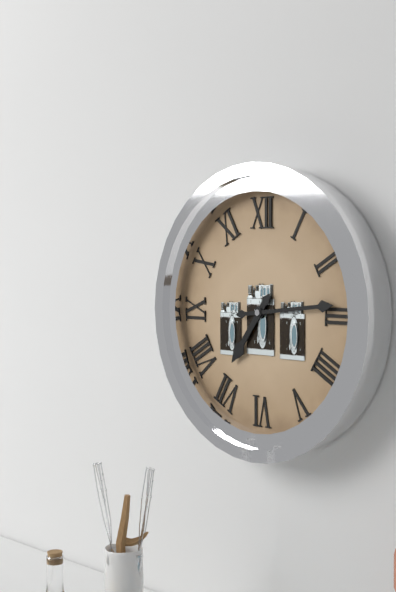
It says 7.14
